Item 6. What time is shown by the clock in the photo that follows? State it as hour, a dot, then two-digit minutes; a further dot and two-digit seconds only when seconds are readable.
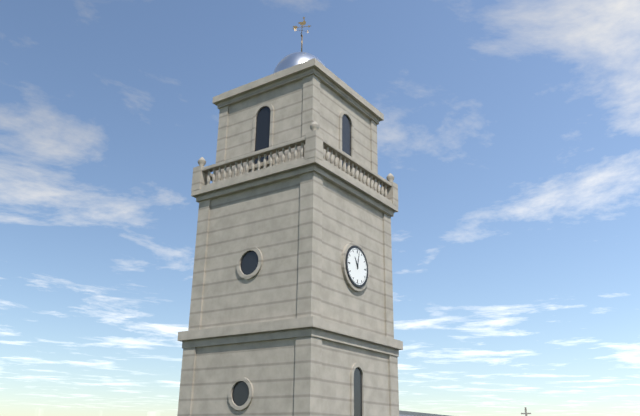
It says 11.02
